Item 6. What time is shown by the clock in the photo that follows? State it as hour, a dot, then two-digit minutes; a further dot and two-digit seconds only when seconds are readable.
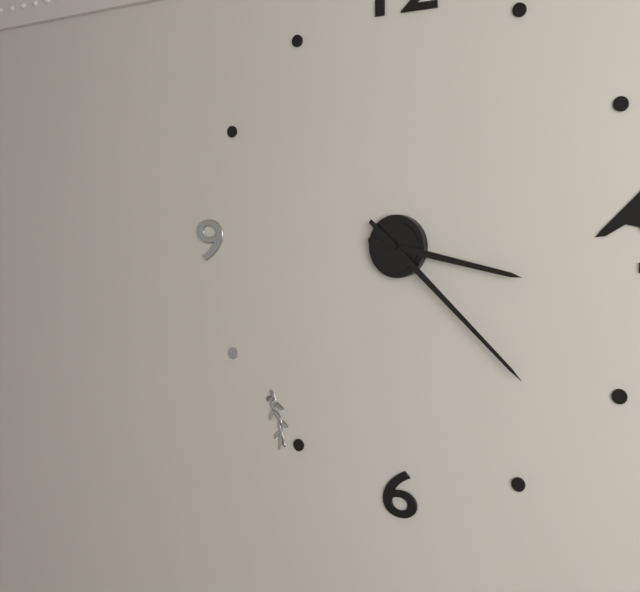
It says 3.22
